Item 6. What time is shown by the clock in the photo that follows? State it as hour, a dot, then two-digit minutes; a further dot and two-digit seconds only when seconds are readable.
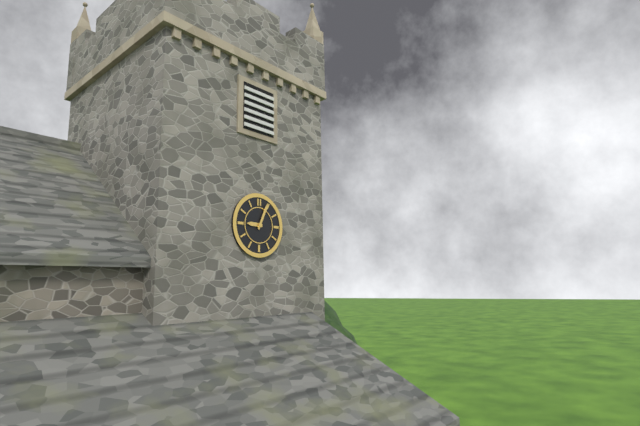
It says 9.04
